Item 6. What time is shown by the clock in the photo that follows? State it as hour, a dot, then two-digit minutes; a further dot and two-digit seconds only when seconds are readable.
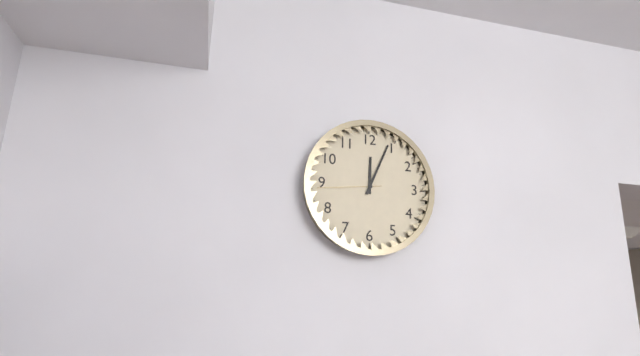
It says 12.04.44
